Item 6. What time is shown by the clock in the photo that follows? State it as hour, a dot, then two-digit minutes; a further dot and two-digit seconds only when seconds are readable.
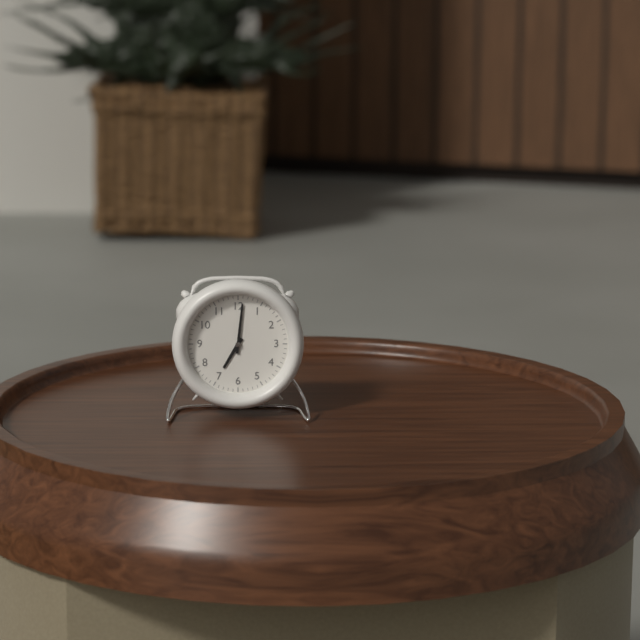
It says 7.01
